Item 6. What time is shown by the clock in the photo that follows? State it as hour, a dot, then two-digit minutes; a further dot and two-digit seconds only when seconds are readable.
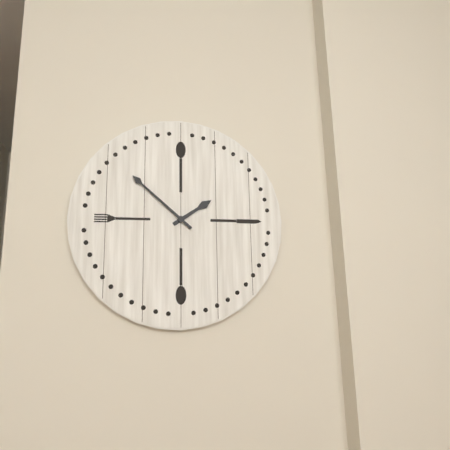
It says 1.52
